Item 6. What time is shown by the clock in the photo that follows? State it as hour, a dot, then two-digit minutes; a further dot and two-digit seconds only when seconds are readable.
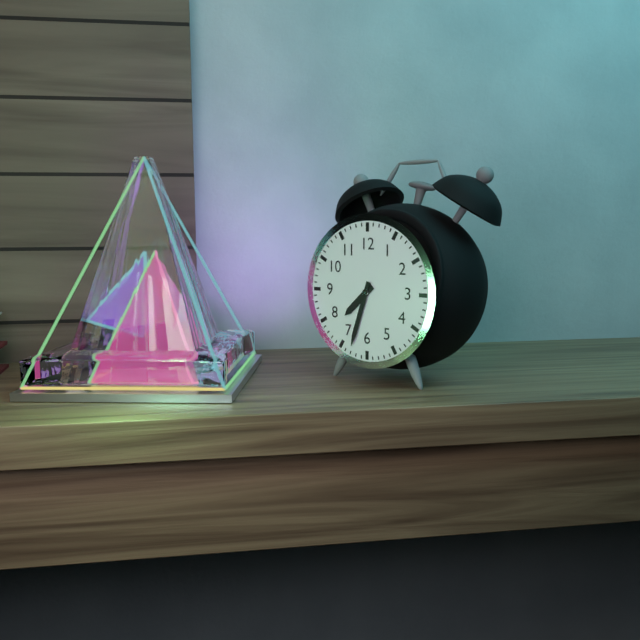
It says 7.33
